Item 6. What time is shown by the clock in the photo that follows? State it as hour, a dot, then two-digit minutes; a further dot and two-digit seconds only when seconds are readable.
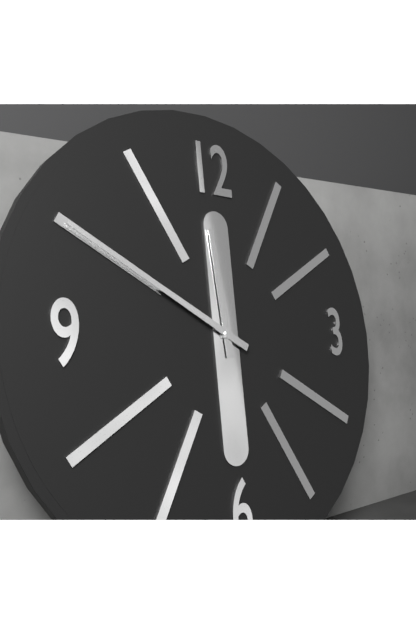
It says 11.50
